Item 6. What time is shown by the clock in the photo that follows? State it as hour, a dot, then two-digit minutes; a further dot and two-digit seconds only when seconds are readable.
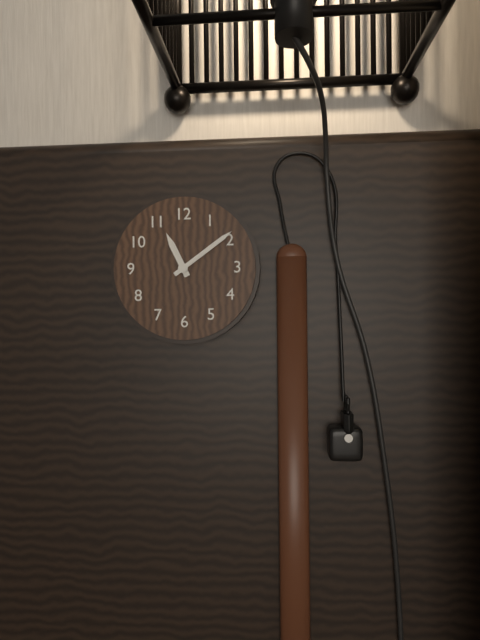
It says 11.09
